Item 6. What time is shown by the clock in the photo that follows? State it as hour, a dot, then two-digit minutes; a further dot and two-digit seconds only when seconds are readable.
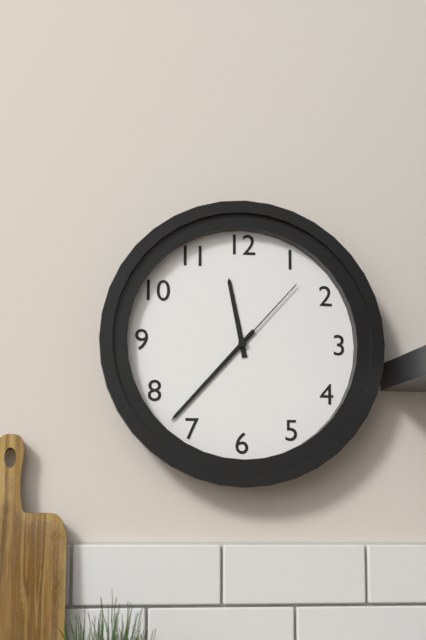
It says 11.37.07
